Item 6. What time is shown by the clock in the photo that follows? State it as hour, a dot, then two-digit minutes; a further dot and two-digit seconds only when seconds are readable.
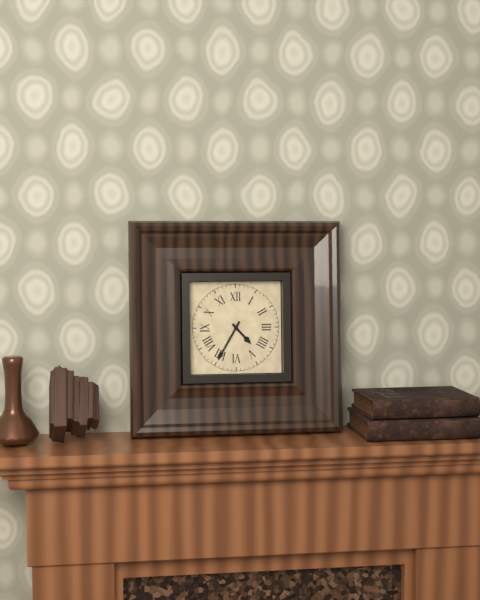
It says 4.35
